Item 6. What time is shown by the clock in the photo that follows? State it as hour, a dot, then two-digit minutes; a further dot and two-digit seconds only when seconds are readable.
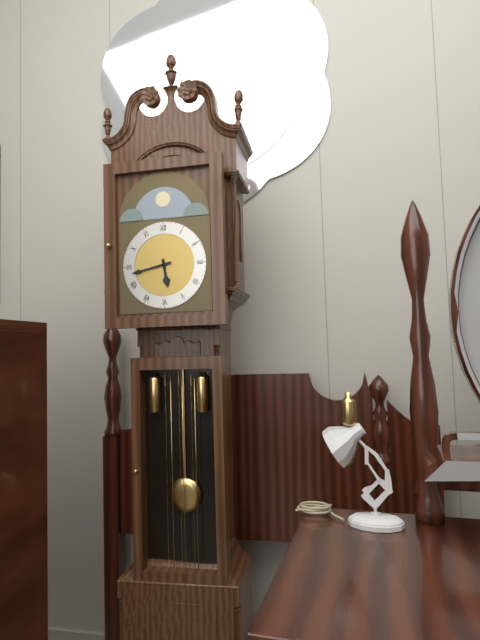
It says 5.43
